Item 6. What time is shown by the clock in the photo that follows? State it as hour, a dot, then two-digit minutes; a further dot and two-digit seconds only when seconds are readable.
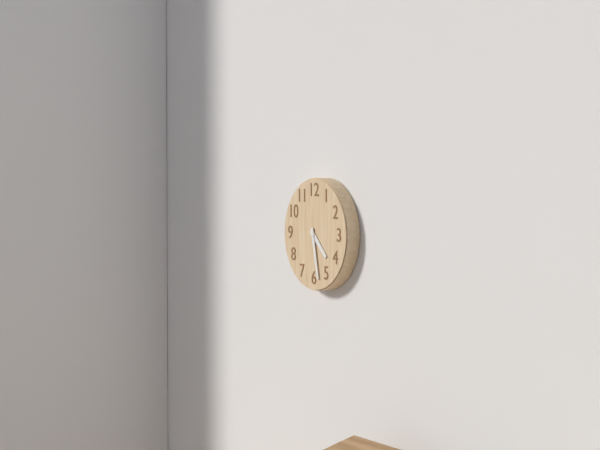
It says 4.28
